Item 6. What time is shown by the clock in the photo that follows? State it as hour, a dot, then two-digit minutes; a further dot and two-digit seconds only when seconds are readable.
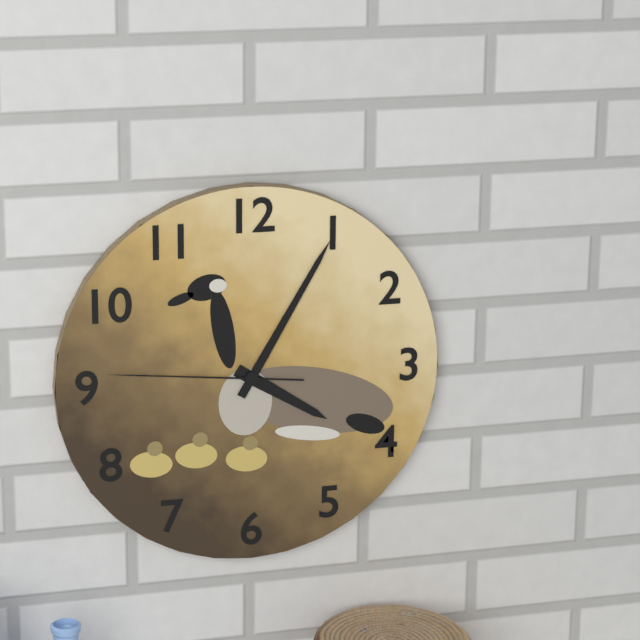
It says 4.05.46
